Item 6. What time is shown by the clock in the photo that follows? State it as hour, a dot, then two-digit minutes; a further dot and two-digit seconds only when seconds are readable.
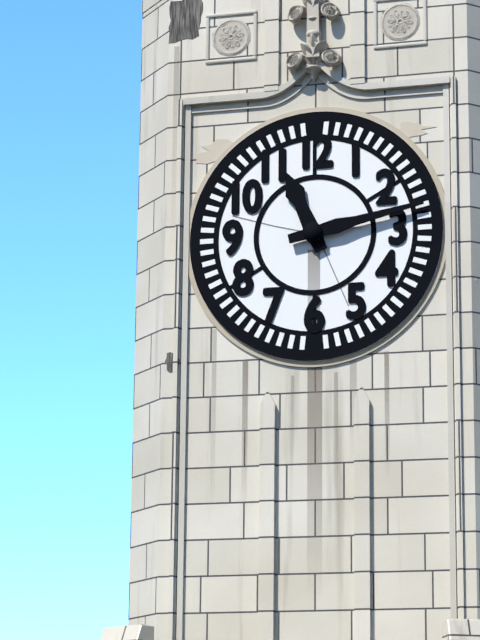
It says 11.13
